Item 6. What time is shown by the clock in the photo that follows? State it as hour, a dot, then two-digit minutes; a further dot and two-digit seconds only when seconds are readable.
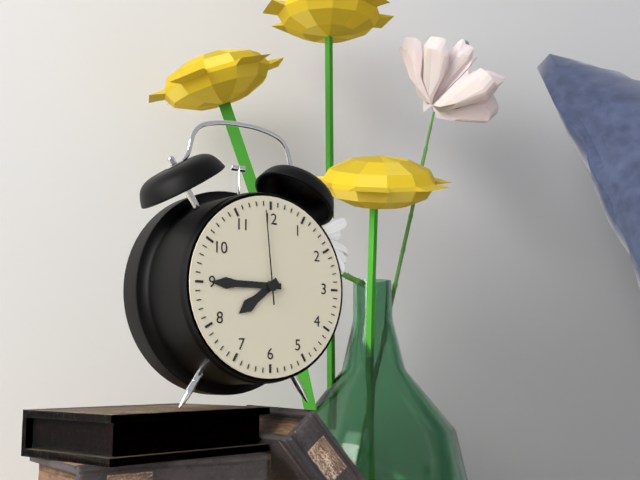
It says 7.45.59
